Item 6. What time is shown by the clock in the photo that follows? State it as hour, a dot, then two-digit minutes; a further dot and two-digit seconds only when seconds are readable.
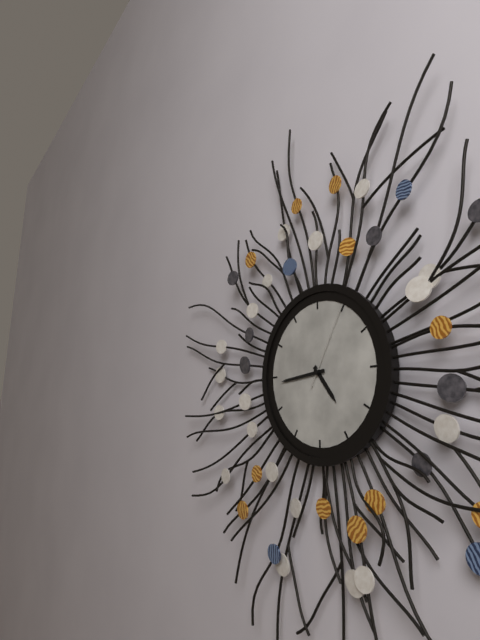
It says 4.44.05
